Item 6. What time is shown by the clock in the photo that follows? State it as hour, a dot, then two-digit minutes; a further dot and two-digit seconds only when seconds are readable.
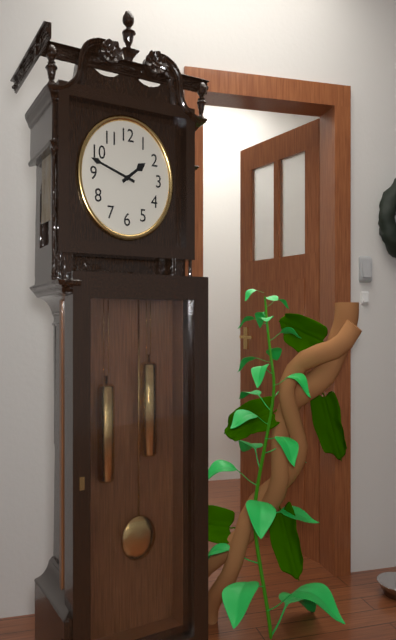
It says 1.48
